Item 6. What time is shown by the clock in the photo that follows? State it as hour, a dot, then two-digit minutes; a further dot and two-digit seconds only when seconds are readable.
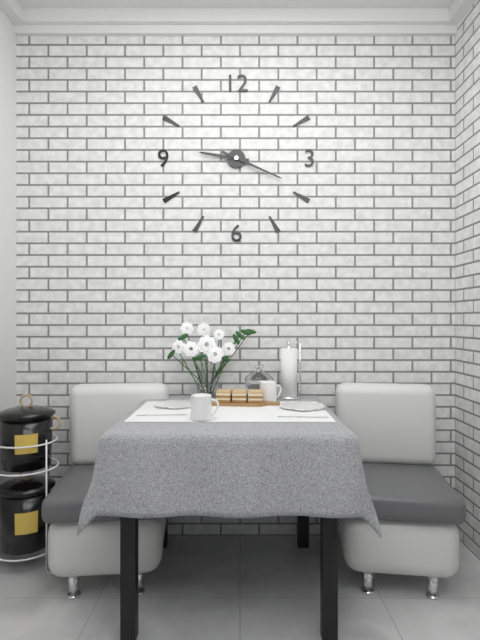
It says 9.19
